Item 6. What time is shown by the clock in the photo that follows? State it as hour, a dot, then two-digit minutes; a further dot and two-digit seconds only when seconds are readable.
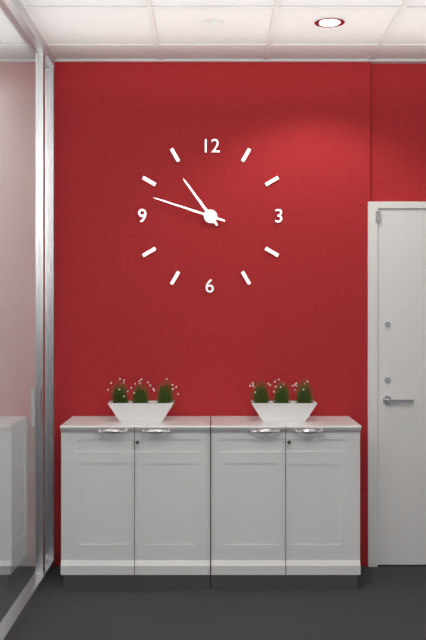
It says 10.48
